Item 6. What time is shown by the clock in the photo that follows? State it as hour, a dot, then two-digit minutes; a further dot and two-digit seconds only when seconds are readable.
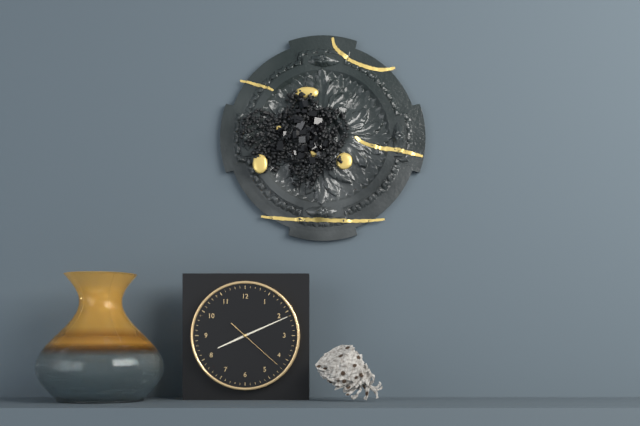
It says 8.11.22
